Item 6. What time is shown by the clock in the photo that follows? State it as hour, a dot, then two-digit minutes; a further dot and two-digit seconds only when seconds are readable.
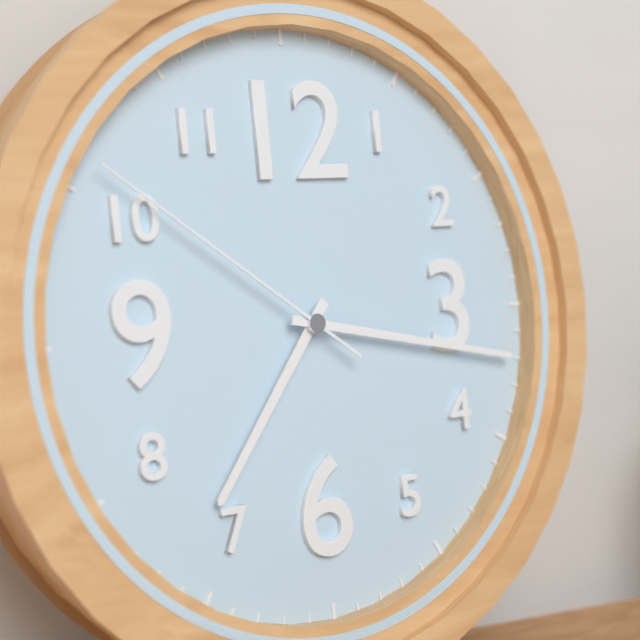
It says 7.17.51
